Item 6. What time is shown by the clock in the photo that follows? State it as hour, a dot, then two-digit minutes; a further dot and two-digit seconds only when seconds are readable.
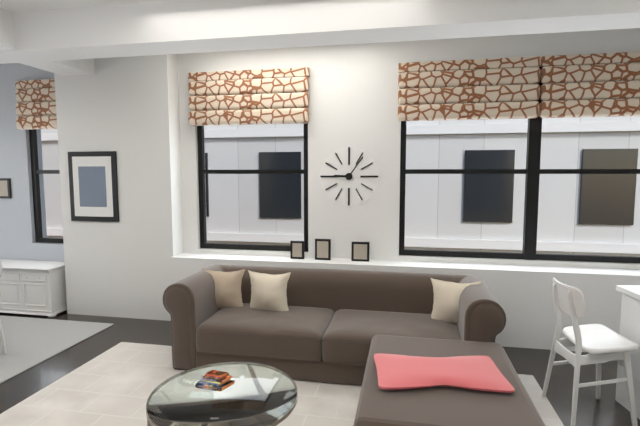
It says 9.06
